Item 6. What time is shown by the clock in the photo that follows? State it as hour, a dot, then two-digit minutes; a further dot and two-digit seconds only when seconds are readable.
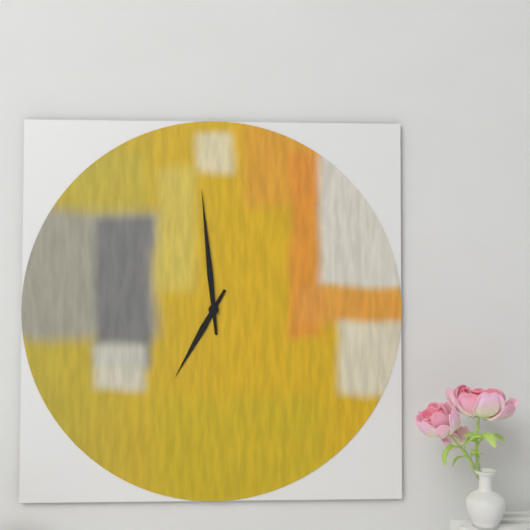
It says 6.59
